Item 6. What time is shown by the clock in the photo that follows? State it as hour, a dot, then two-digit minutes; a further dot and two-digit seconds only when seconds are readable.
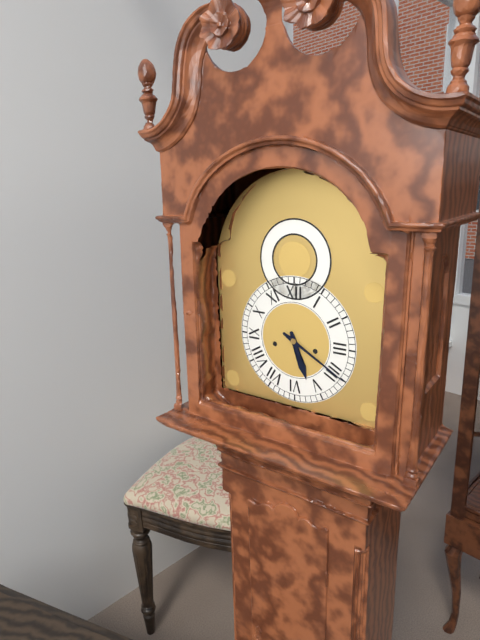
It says 5.20
